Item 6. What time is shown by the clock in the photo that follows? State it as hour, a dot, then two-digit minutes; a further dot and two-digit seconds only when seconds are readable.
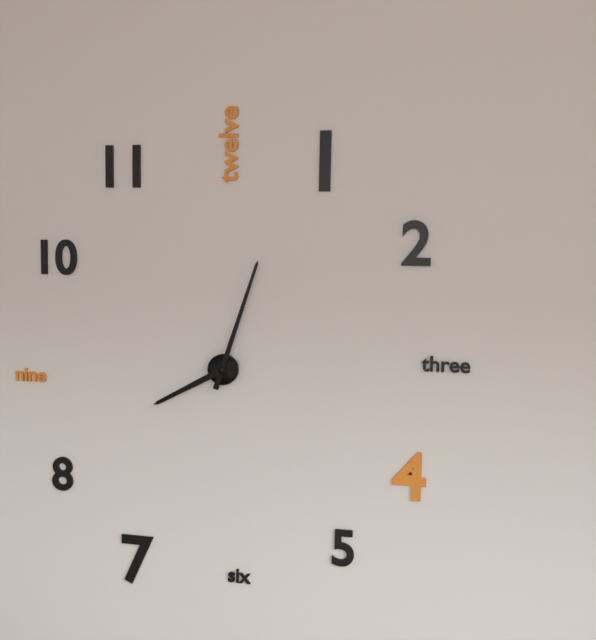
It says 8.03
